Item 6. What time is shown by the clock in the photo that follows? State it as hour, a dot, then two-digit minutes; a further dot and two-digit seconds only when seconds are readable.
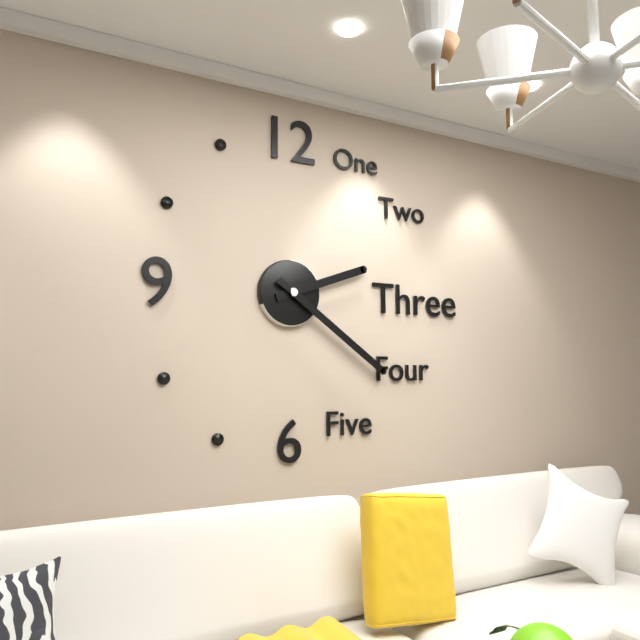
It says 2.21
